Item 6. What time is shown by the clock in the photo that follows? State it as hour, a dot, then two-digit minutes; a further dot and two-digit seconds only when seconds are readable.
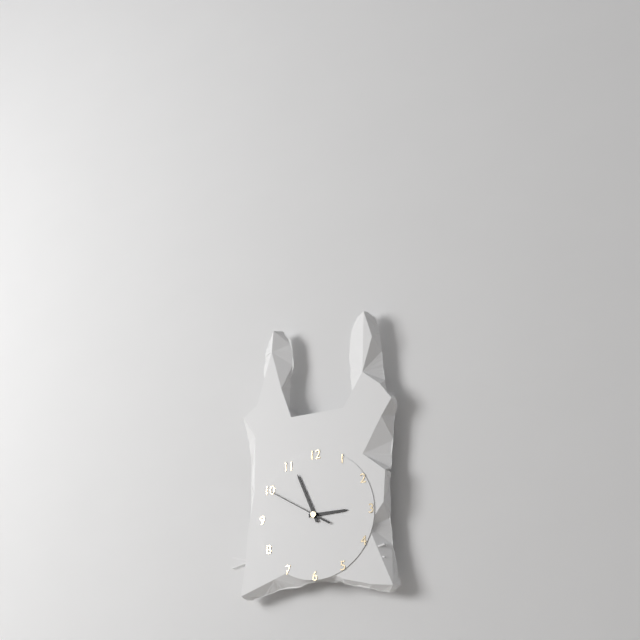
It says 2.56.50
